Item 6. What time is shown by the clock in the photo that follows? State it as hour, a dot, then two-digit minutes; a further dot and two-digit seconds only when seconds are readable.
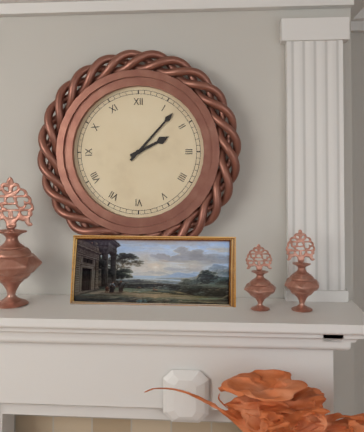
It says 2.07
